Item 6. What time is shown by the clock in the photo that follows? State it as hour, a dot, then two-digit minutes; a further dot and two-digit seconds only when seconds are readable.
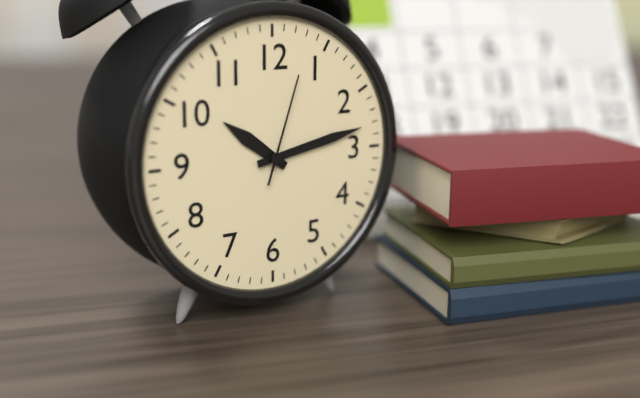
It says 10.13.03
